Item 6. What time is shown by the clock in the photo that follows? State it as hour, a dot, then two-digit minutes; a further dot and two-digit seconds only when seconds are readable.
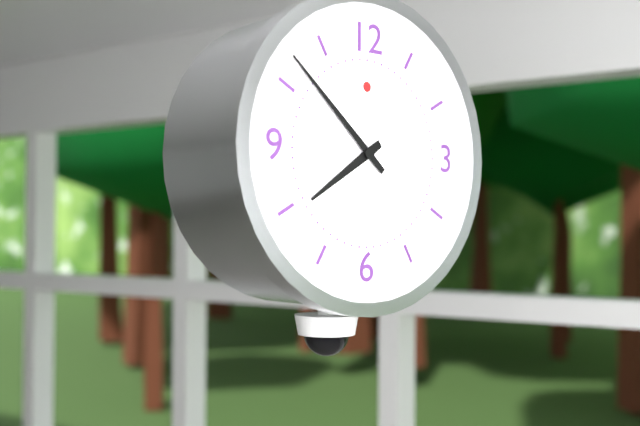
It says 7.52
